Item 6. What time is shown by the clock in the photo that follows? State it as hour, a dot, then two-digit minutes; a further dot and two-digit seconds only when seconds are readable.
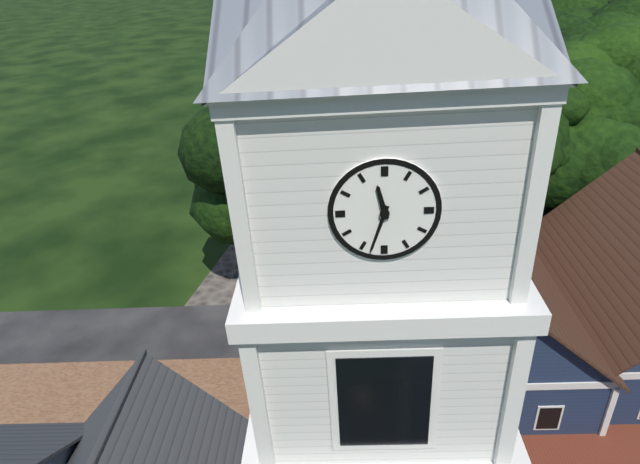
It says 11.33
